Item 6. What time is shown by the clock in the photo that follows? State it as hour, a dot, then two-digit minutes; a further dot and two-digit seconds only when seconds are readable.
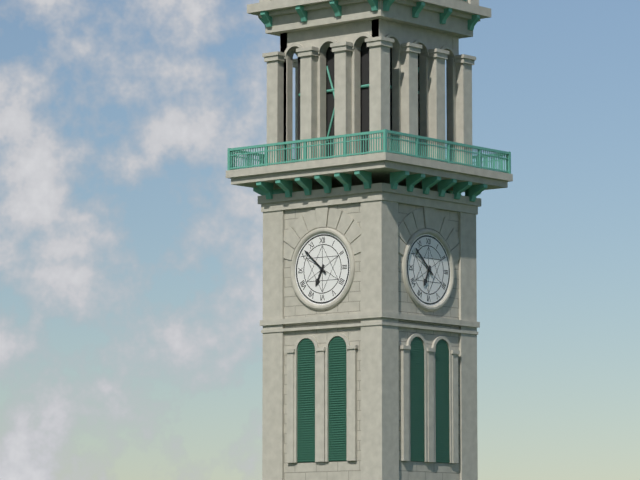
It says 6.52
